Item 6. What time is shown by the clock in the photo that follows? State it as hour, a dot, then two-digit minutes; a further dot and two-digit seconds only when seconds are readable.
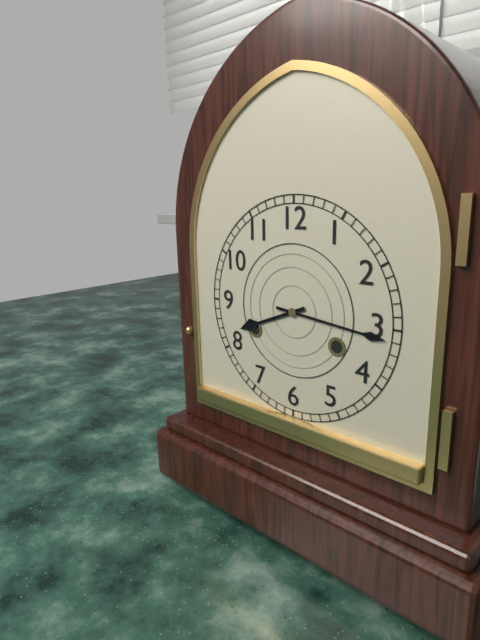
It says 8.16
